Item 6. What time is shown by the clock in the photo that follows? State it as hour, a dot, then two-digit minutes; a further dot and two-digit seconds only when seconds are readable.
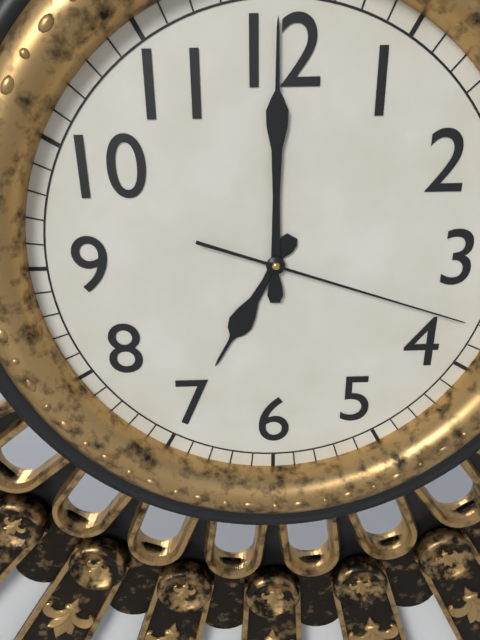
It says 7.00.18
